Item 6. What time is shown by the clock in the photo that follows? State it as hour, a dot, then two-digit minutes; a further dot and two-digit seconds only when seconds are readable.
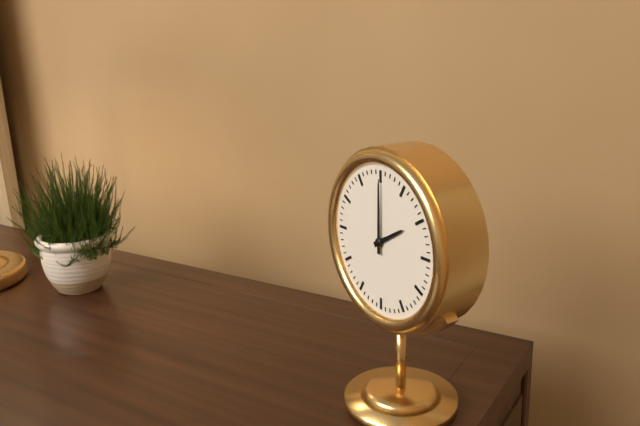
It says 2.00
